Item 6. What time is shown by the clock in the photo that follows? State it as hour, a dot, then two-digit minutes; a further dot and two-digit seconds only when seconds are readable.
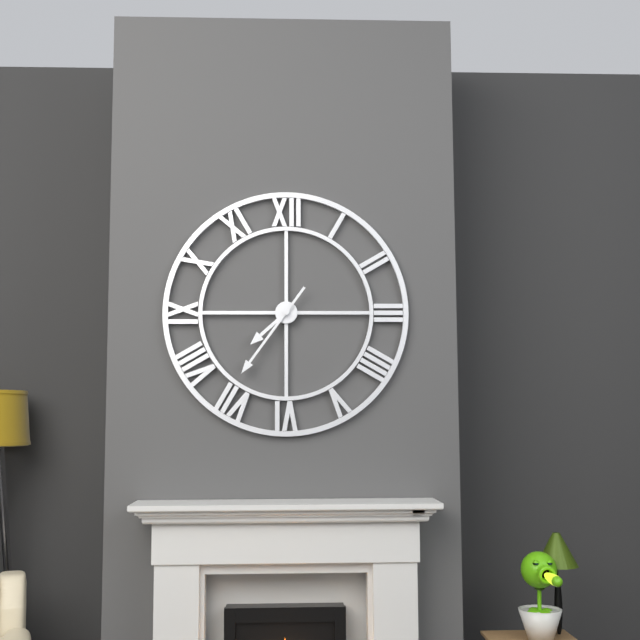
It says 7.36
